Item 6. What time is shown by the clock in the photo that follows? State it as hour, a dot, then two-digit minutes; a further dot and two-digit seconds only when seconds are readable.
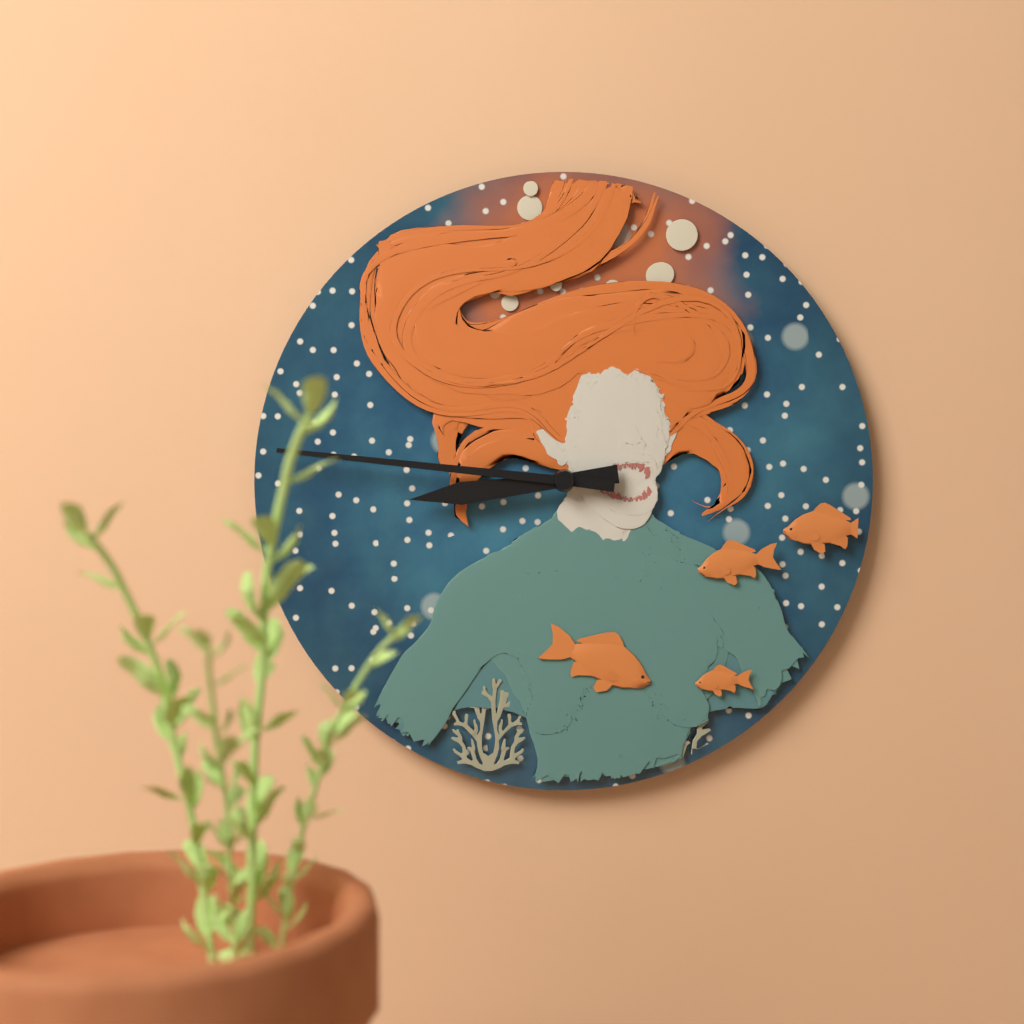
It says 8.46
